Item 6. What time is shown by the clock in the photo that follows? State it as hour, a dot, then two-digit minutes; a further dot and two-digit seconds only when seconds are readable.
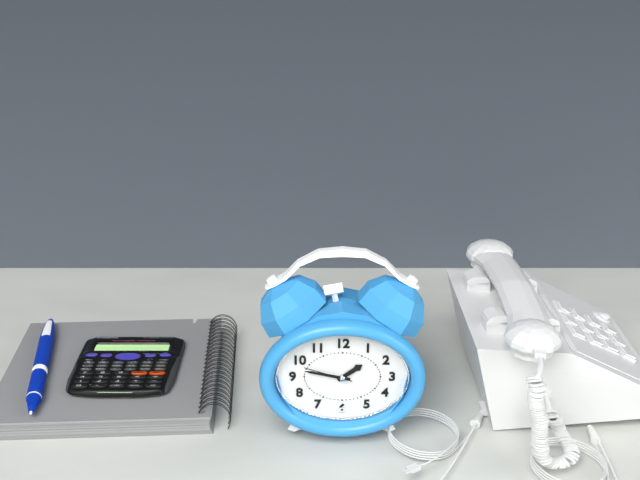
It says 1.47
